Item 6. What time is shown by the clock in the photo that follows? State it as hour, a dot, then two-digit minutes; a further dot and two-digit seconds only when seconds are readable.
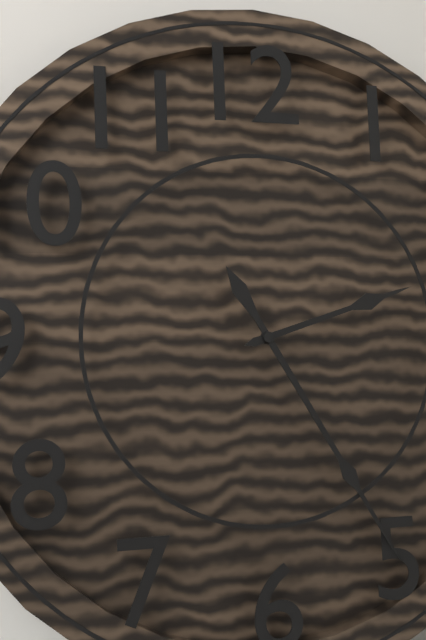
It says 2.25
